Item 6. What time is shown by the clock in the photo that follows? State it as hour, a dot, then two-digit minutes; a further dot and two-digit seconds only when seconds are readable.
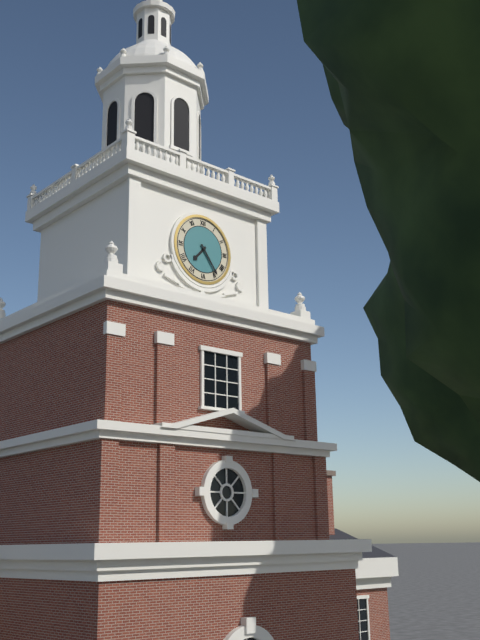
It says 7.24
